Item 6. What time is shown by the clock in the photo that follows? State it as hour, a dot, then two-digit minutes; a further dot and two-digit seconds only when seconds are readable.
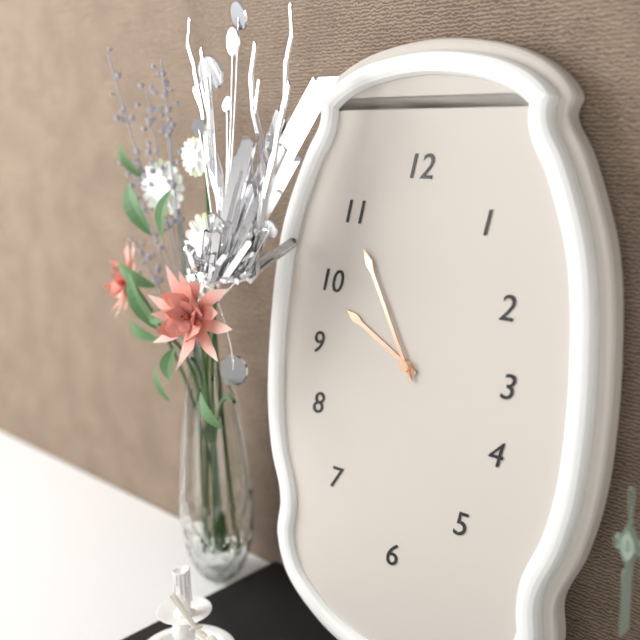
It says 9.55
